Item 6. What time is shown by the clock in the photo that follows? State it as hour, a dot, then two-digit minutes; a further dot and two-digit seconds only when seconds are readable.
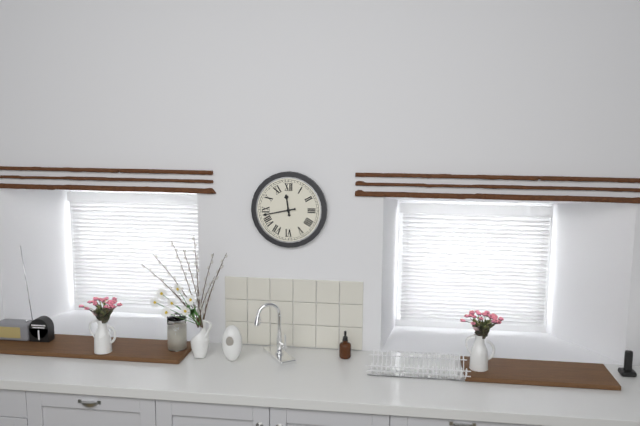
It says 11.43
